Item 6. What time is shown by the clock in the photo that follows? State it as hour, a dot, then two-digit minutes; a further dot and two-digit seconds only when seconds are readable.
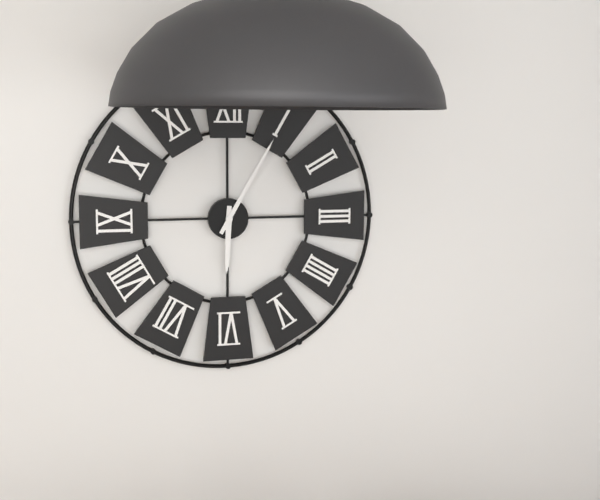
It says 6.05
